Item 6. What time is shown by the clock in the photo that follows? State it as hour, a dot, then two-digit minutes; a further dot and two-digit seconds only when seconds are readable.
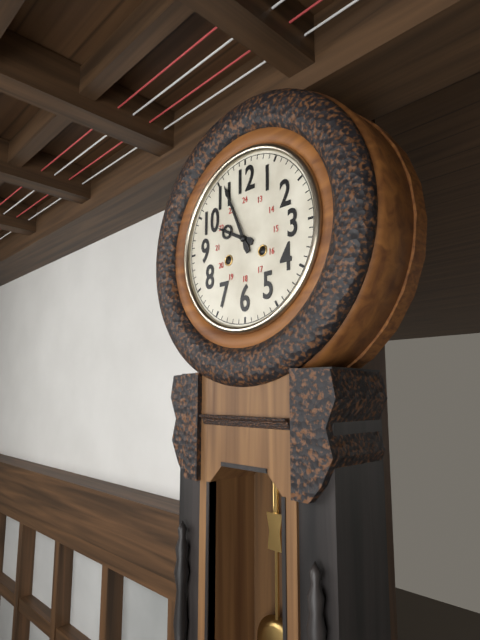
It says 9.56
